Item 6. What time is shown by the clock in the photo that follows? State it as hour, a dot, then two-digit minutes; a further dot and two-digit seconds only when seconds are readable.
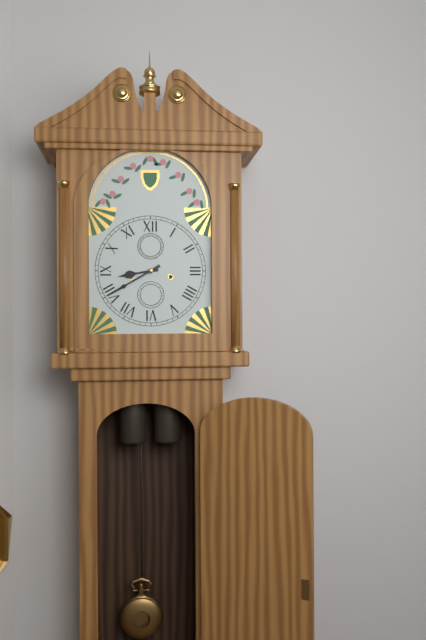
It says 8.40
